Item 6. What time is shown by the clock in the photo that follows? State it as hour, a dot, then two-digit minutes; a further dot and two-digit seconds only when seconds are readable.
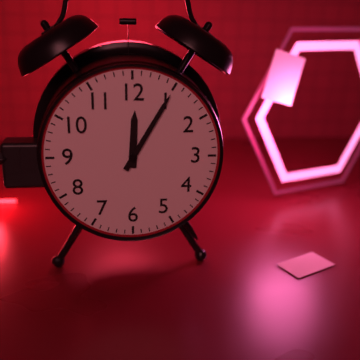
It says 12.05
